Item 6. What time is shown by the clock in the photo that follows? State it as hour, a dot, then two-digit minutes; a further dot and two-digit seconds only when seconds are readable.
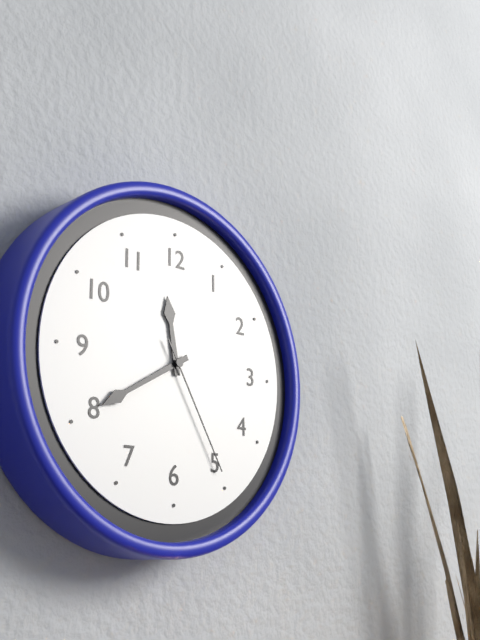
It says 11.40.25
